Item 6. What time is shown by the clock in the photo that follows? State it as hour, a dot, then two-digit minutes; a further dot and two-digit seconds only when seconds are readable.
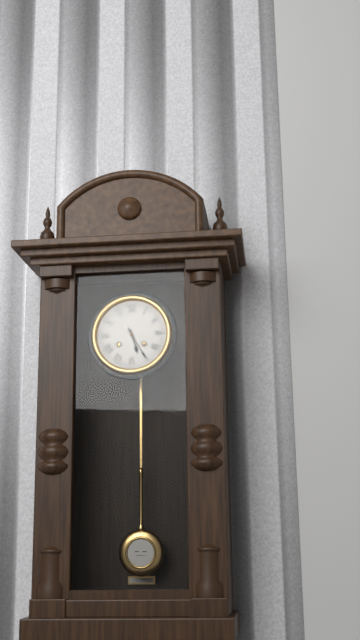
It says 5.25
